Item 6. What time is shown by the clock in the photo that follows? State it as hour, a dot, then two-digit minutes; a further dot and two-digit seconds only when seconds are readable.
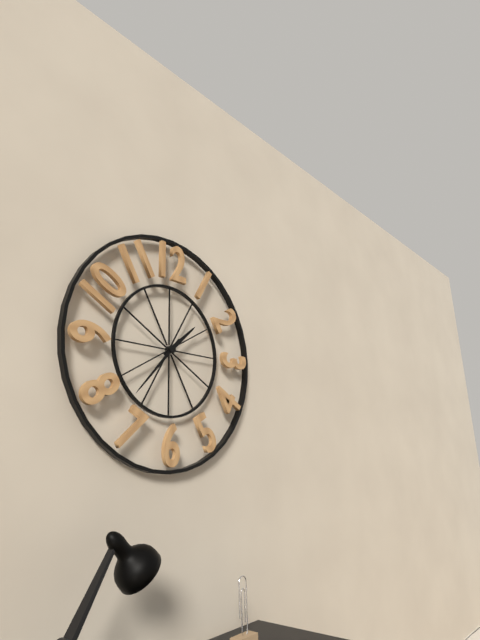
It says 1.37
